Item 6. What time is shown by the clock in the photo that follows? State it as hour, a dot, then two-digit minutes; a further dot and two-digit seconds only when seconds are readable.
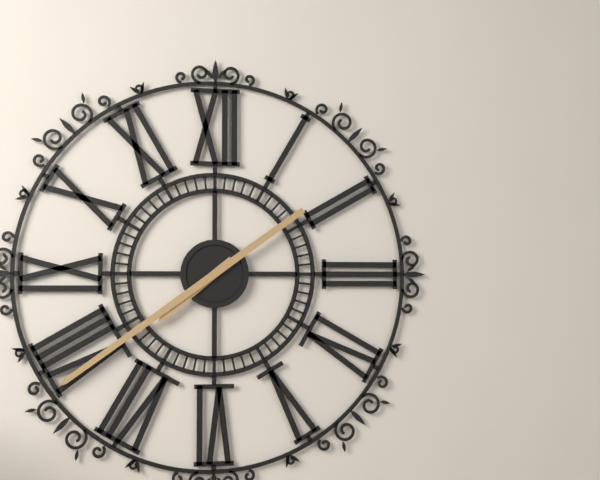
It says 7.39
